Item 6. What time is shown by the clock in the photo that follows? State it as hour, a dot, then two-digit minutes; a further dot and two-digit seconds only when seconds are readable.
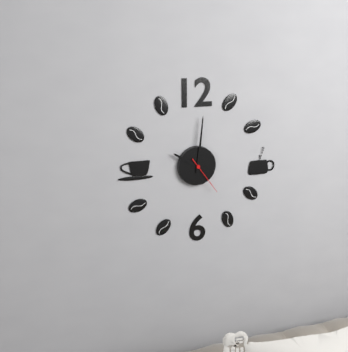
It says 10.01
